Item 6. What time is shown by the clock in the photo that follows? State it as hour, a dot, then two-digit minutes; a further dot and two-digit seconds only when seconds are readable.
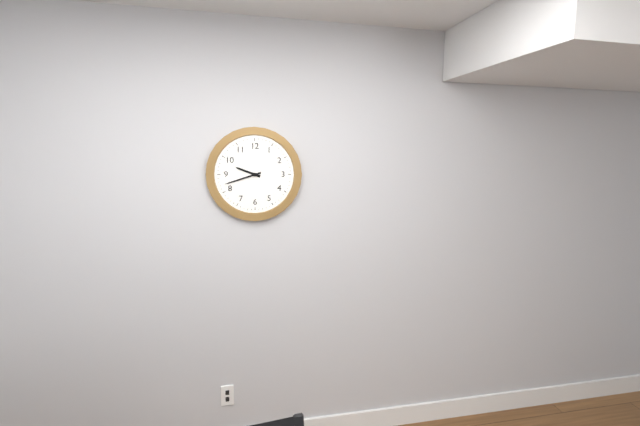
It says 9.42
